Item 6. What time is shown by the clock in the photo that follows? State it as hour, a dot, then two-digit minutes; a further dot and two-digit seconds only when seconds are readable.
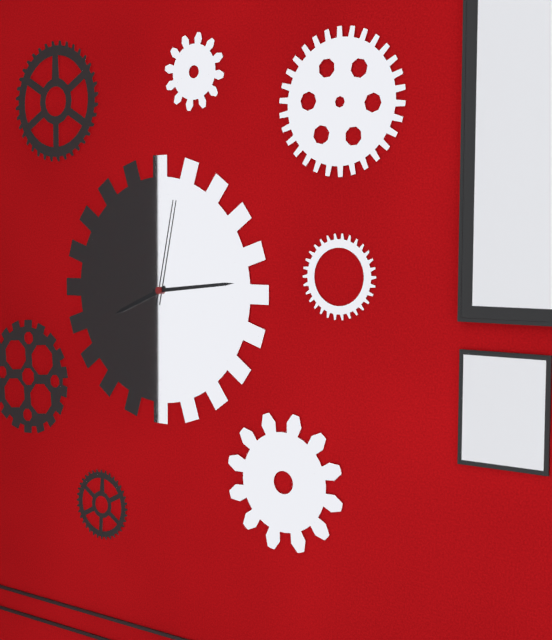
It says 8.14.02
